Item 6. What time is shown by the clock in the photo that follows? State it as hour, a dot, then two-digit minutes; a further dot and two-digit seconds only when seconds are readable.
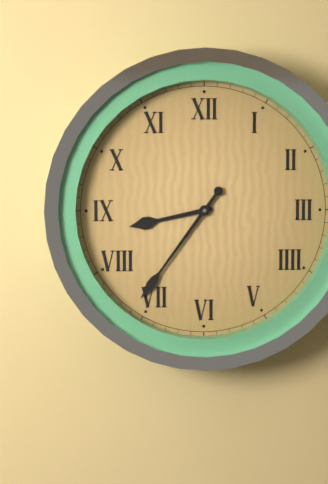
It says 8.36
